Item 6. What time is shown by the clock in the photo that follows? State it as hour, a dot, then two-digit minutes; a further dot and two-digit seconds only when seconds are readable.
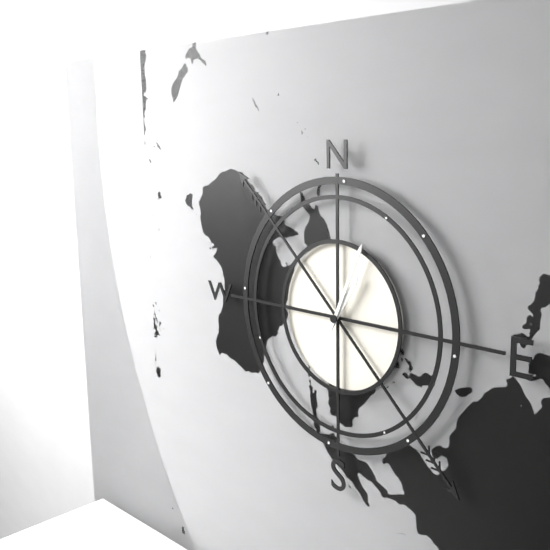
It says 1.04
